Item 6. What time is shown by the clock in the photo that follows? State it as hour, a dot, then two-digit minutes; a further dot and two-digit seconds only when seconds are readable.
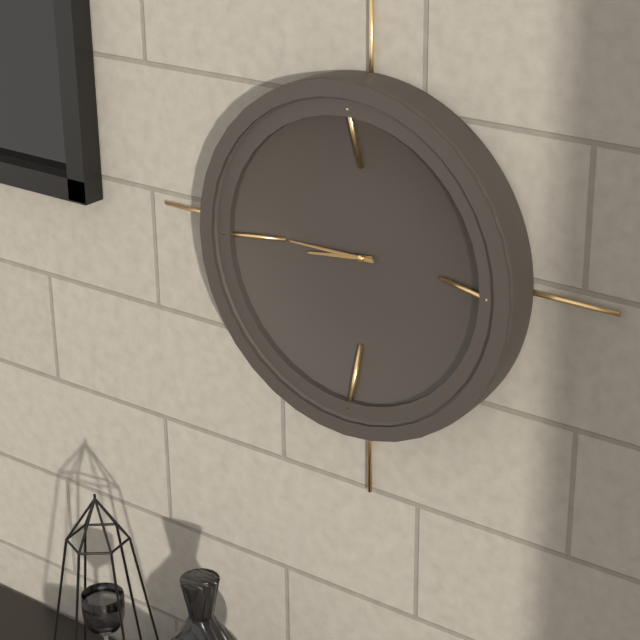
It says 8.45
